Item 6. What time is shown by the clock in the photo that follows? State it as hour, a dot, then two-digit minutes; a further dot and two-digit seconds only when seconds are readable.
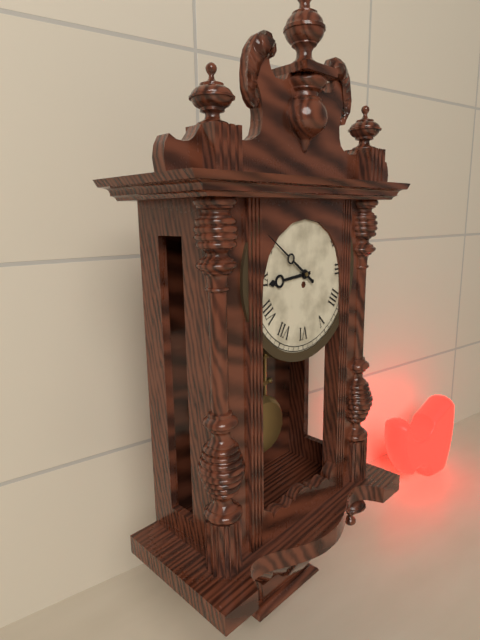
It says 8.51
